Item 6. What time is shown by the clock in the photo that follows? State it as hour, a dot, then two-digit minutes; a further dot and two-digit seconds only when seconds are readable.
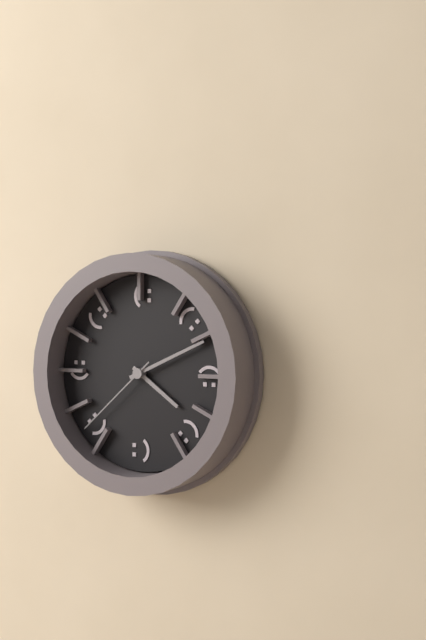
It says 4.11.38
